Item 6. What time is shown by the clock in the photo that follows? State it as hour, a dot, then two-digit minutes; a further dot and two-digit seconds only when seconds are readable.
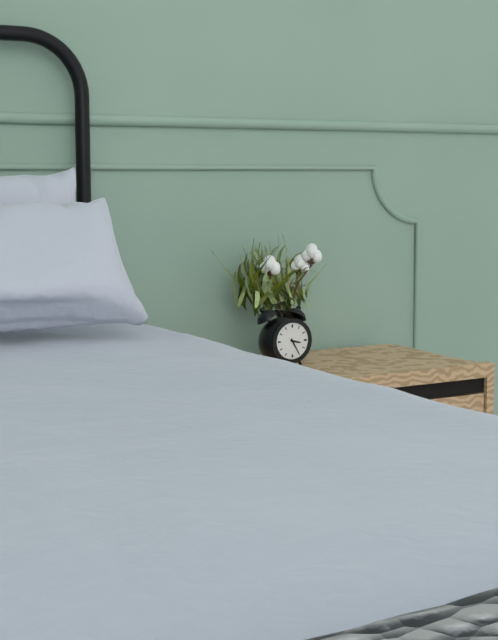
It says 3.25
